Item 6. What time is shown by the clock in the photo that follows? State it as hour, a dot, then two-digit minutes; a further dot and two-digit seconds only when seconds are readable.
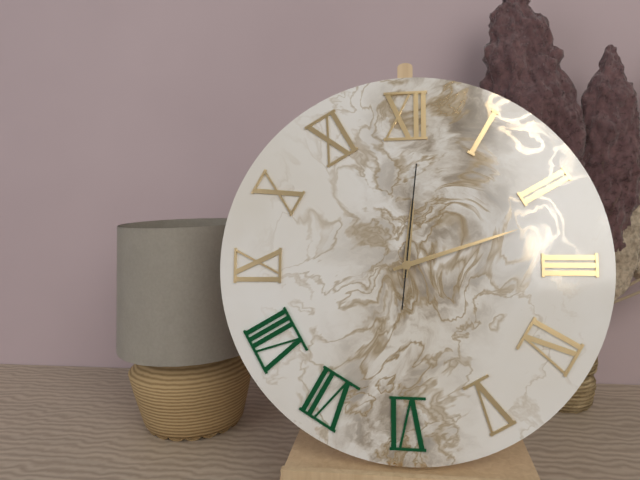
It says 12.12.01
